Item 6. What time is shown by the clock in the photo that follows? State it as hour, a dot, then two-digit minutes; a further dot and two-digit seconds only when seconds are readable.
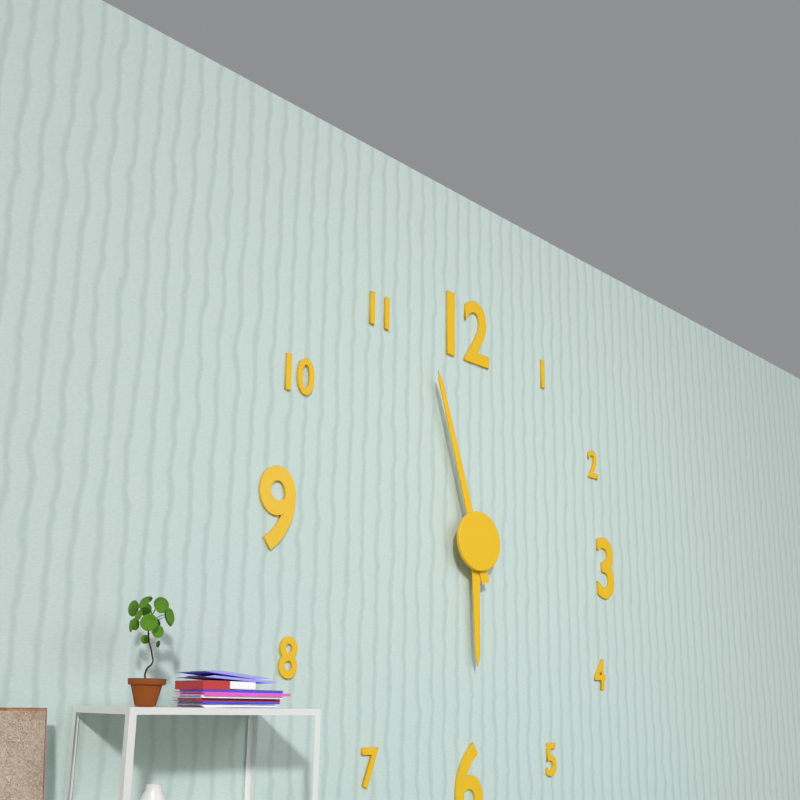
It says 5.57
